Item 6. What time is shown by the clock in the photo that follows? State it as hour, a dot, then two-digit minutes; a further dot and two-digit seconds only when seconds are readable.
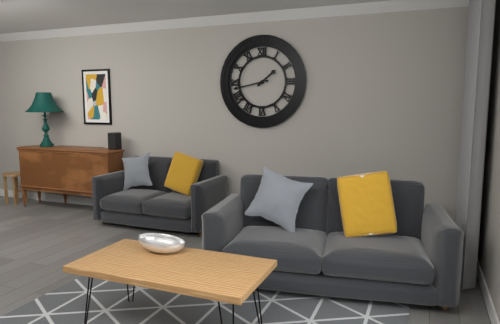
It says 1.43
